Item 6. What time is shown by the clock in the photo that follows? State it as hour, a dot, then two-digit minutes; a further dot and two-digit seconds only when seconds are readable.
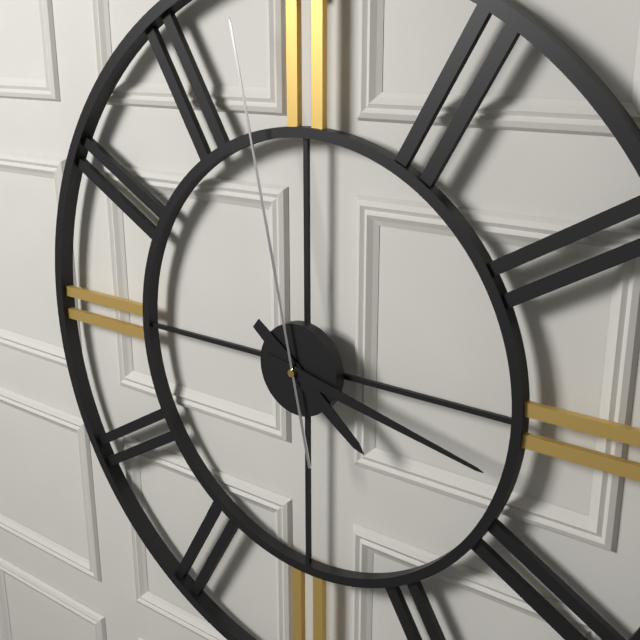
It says 4.17.58
